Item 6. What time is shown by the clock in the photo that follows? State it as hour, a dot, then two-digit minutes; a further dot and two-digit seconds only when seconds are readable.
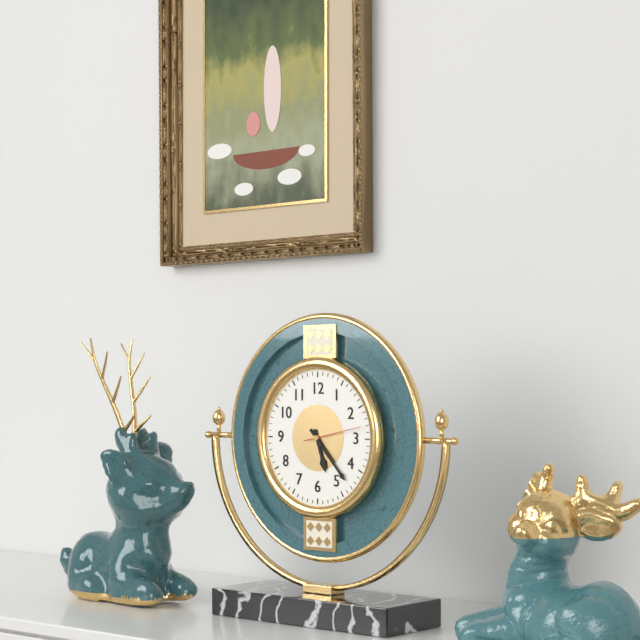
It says 5.23
